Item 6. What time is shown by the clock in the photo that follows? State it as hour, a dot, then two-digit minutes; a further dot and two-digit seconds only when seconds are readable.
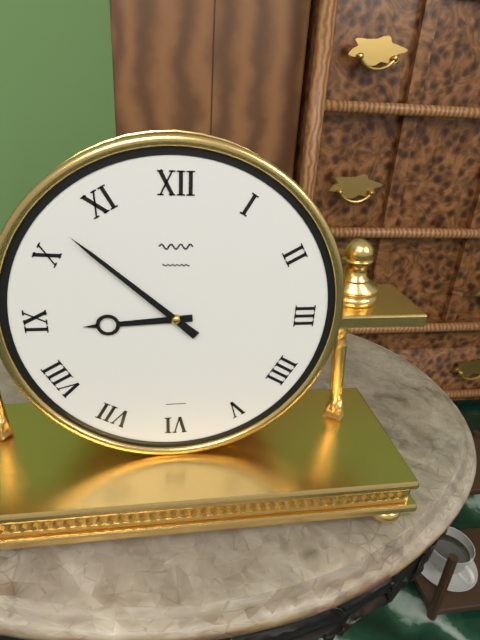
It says 8.52
